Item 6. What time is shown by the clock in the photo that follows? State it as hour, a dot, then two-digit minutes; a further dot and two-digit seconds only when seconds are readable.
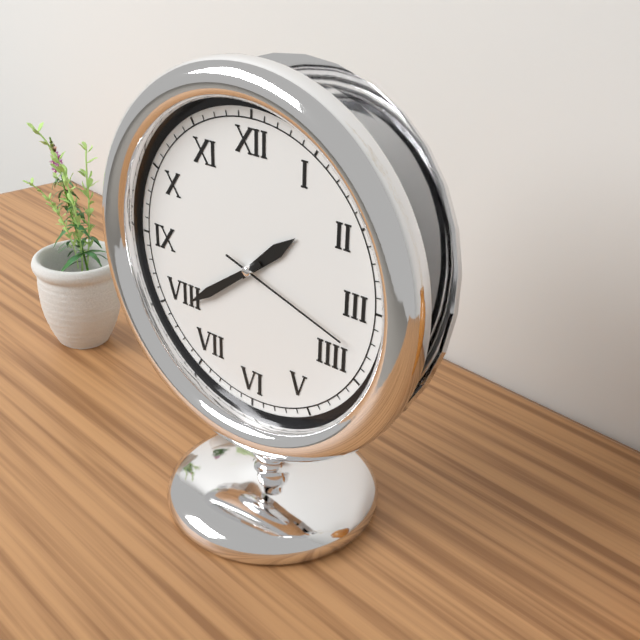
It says 1.39.18
